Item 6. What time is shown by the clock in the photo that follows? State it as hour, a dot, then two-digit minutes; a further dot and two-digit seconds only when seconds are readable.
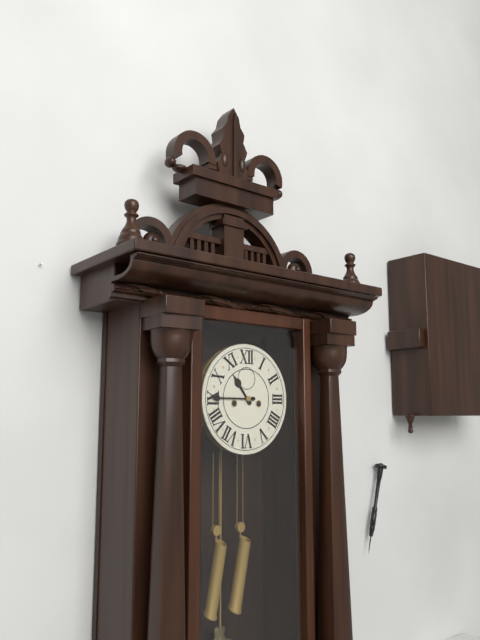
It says 10.45
